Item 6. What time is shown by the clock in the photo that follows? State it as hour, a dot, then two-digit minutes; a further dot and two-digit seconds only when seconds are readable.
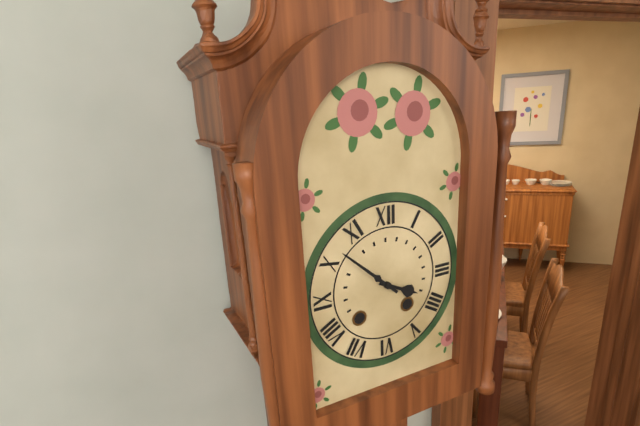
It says 3.52
